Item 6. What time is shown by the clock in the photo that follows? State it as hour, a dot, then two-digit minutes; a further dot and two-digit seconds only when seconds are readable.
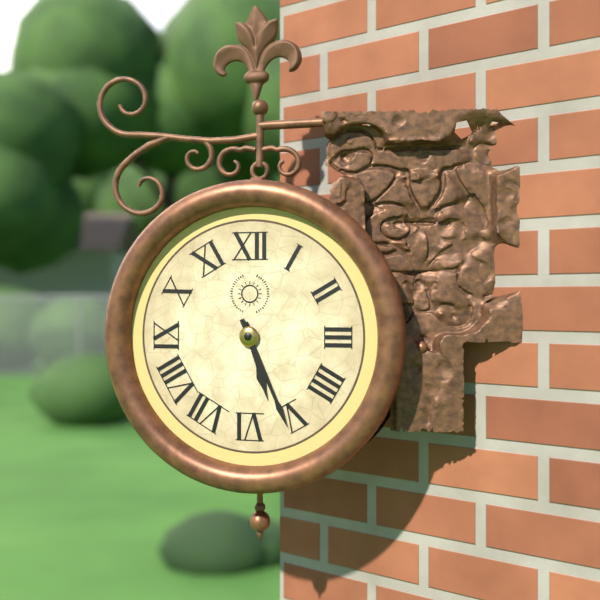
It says 5.26
